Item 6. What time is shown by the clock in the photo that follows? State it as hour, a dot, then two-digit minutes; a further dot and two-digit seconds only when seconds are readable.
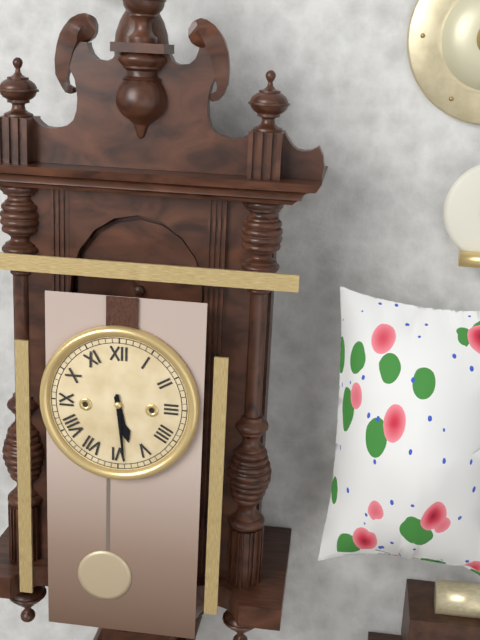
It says 5.29
